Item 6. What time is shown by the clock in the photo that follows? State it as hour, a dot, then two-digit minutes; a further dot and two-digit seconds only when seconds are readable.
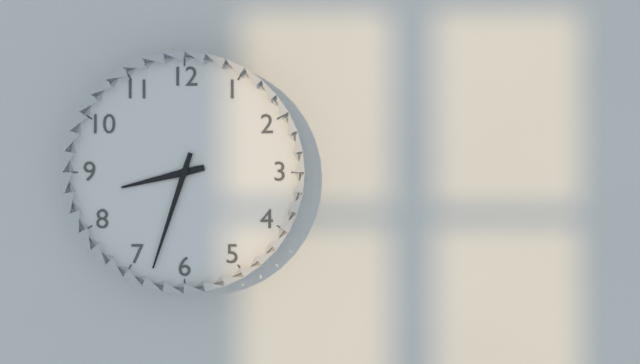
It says 8.33
